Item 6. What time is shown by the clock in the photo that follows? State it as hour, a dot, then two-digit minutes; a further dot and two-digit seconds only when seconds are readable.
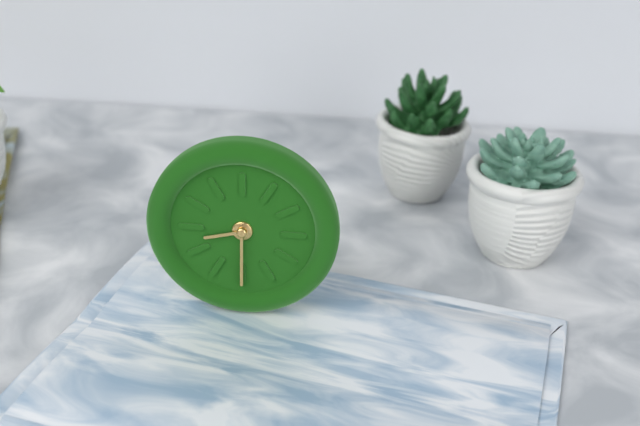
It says 8.30
